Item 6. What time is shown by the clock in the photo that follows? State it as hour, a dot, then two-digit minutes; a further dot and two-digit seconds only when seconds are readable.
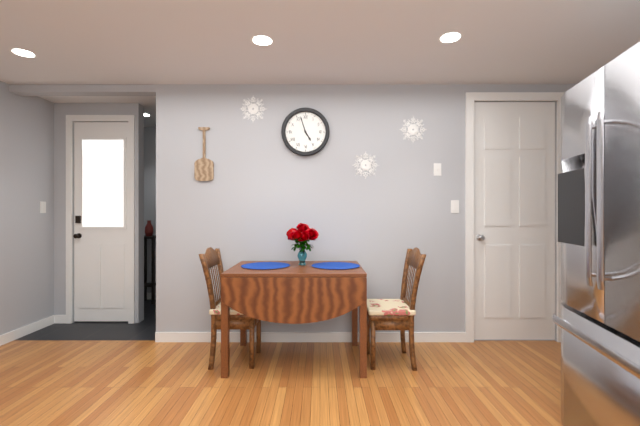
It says 4.57
